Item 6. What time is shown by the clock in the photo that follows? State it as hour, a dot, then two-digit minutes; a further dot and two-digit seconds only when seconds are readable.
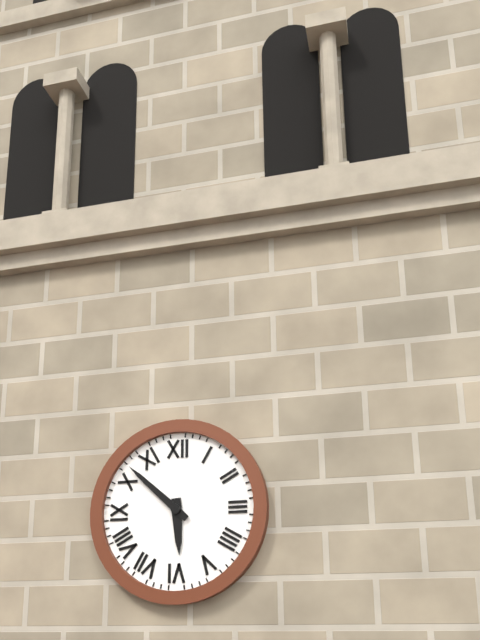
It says 5.52
